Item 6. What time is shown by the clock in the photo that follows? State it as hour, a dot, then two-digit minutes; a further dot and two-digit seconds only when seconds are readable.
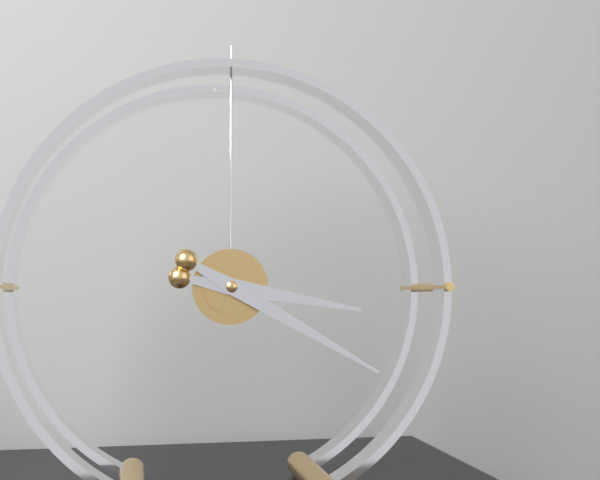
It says 3.20
